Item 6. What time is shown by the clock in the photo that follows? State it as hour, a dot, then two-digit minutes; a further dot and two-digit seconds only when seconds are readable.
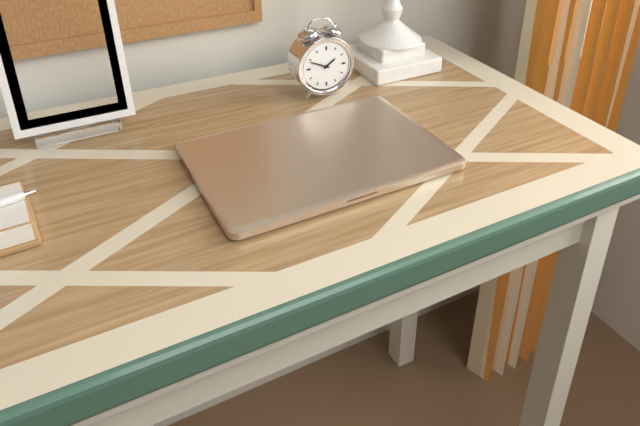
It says 1.49
